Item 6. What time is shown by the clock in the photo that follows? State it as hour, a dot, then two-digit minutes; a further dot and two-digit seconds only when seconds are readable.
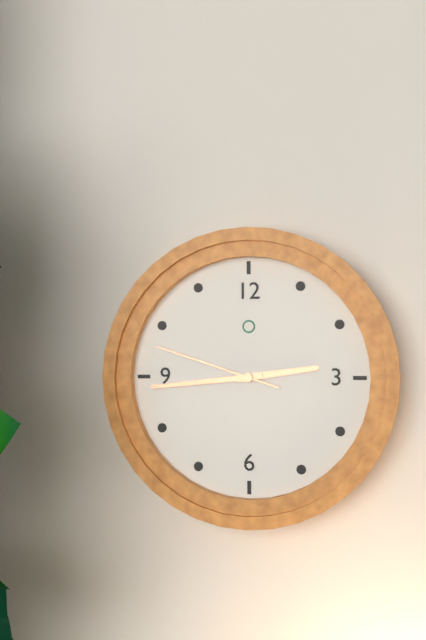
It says 2.44.48
